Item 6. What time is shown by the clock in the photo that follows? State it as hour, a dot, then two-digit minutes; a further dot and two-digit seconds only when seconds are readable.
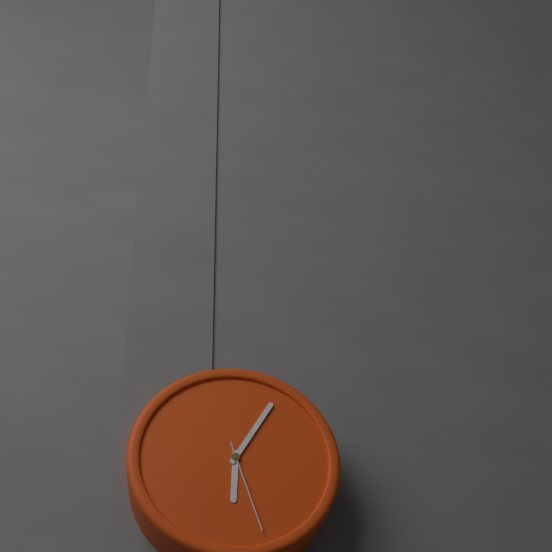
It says 6.05.27
